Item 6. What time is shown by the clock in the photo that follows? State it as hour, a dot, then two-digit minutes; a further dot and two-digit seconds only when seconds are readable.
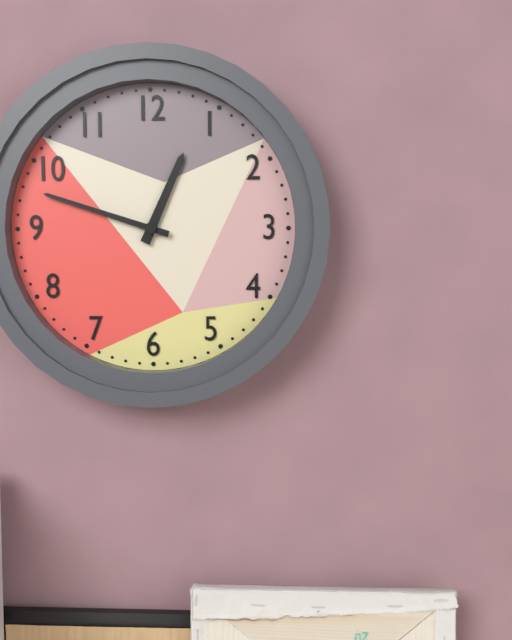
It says 12.48
